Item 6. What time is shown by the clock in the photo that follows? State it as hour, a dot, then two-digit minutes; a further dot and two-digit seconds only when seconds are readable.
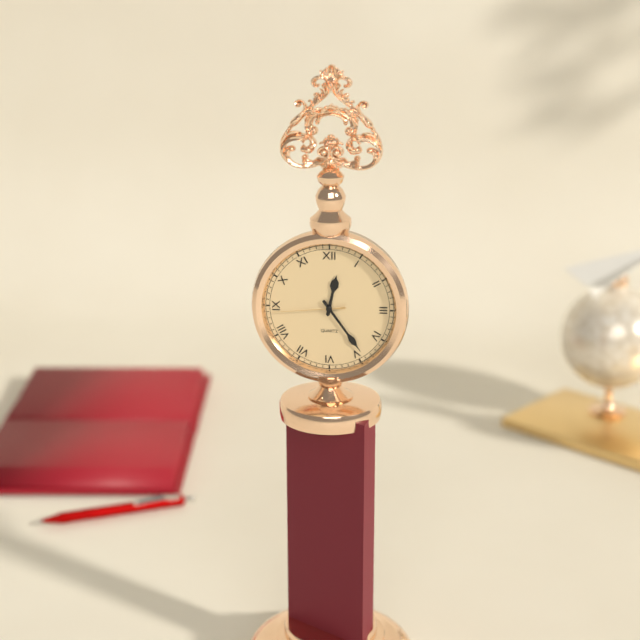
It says 12.24.44
